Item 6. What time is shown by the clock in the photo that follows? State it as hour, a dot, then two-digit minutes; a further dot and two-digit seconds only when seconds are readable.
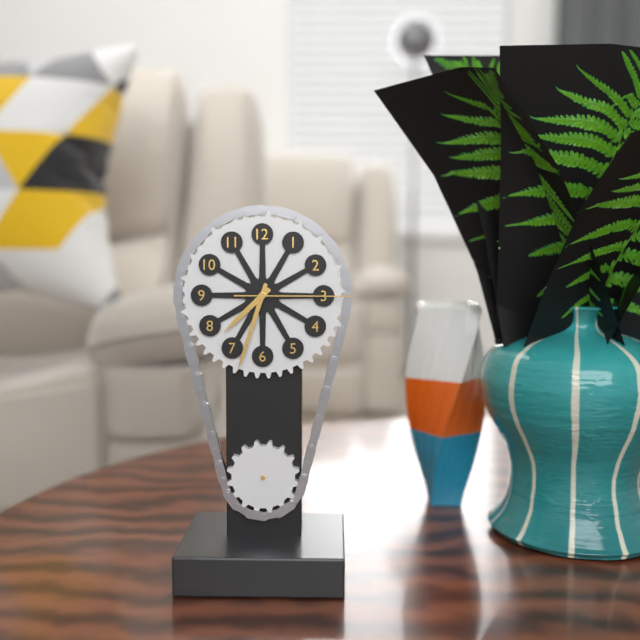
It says 7.33.15
